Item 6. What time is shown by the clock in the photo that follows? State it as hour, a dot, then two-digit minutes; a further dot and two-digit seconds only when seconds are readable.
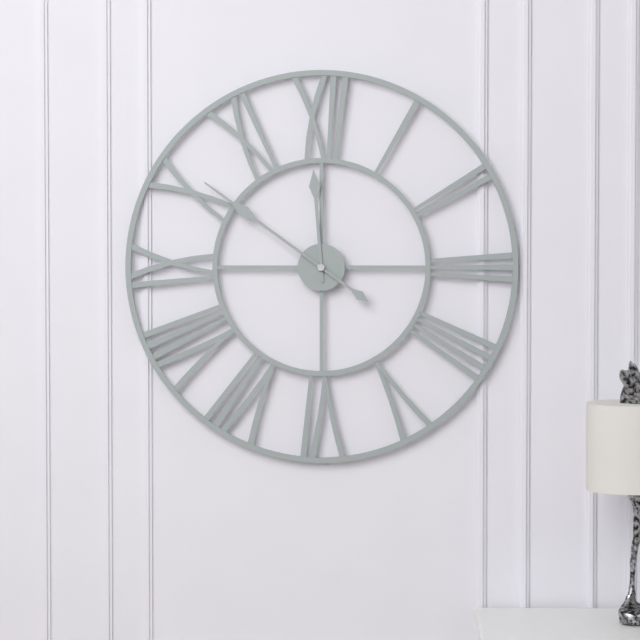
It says 11.51
